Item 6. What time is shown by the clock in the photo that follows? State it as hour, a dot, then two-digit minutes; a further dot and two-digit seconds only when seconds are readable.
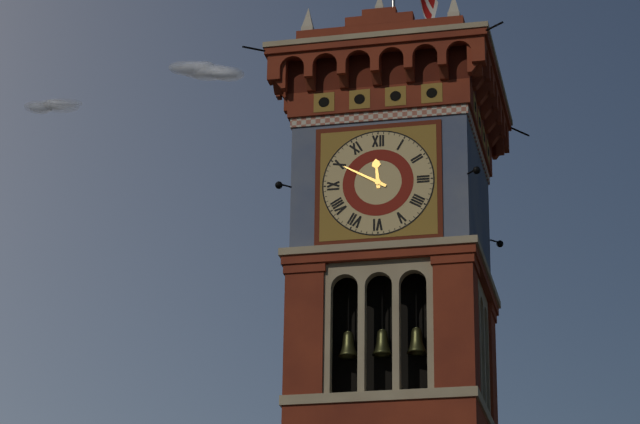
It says 11.50
